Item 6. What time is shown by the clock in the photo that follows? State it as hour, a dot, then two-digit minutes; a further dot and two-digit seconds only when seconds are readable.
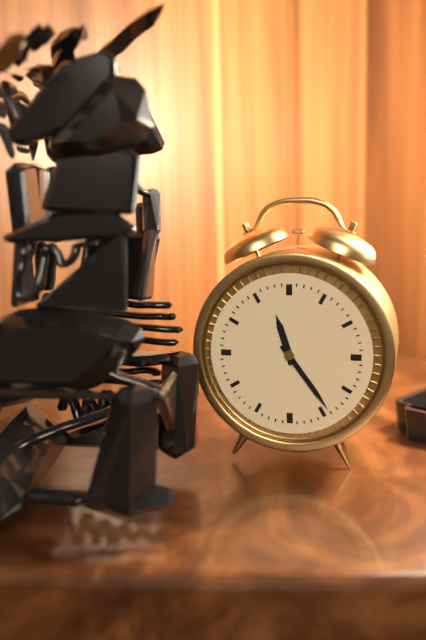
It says 11.24
